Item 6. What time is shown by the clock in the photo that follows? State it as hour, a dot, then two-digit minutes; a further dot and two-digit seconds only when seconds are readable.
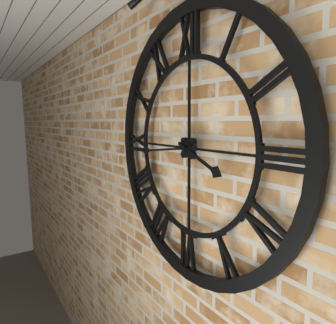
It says 3.44
